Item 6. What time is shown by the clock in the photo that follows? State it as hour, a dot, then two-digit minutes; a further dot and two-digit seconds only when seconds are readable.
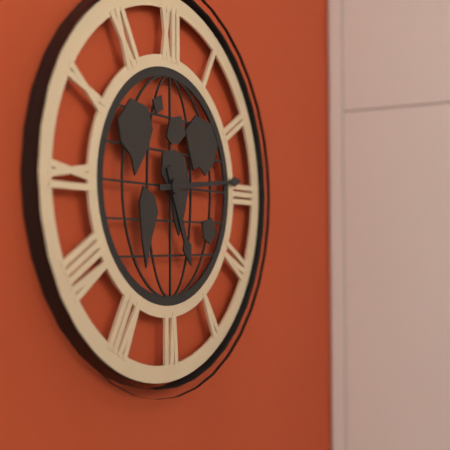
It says 5.14
